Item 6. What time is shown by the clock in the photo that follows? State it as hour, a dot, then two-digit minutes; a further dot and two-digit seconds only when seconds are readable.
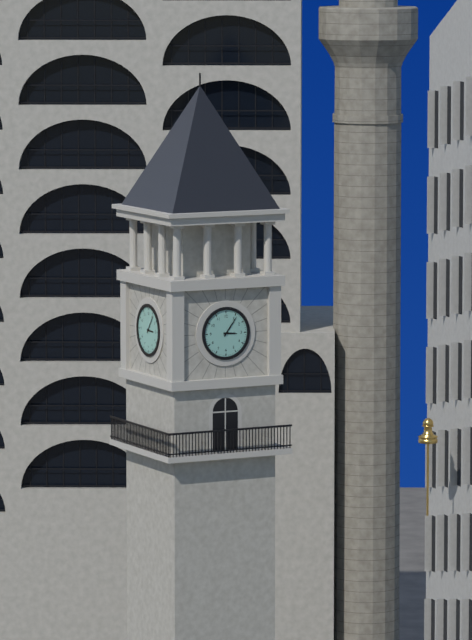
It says 3.06
